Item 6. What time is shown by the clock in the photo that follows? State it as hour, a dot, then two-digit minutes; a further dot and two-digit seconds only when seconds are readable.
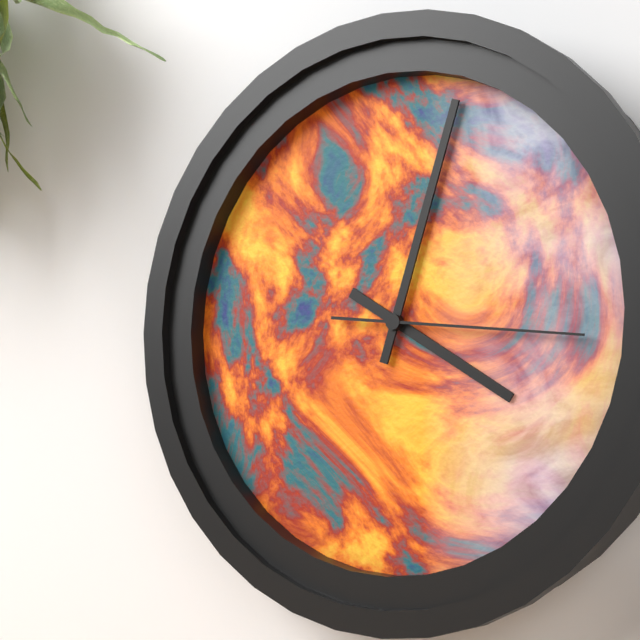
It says 4.03.16
